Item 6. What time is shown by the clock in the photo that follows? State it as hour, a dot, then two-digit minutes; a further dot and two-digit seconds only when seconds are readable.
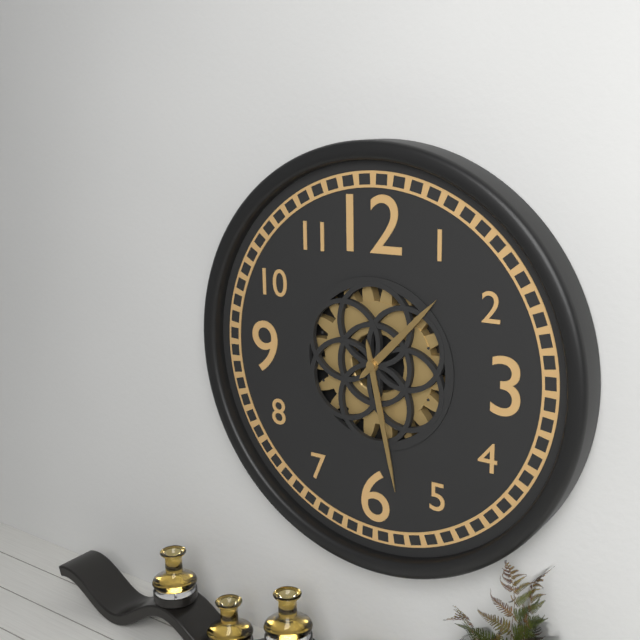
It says 1.28
